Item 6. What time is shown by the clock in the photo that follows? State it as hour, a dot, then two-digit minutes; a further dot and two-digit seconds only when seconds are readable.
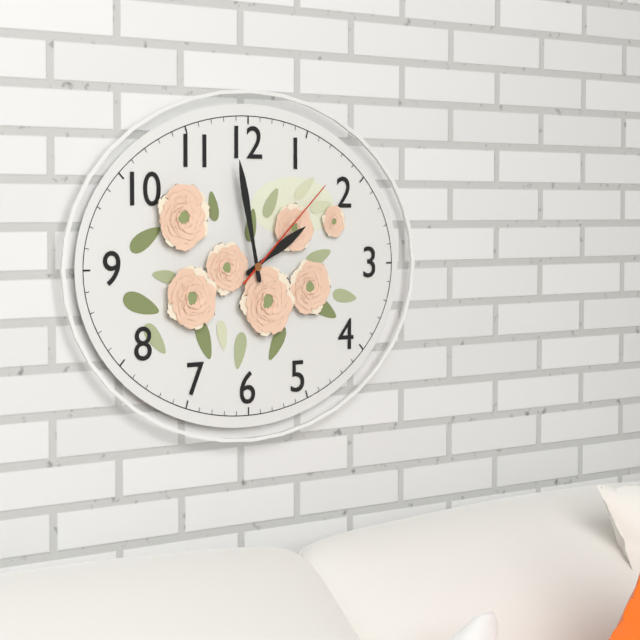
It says 1.58.08
